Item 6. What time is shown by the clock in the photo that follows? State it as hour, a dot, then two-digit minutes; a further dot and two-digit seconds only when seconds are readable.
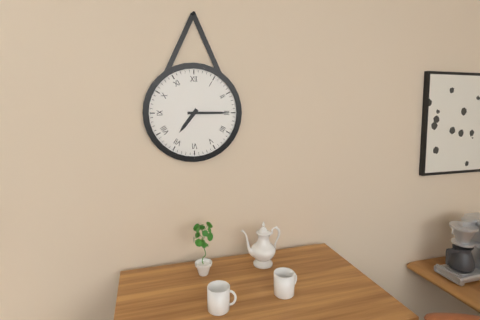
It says 7.15
